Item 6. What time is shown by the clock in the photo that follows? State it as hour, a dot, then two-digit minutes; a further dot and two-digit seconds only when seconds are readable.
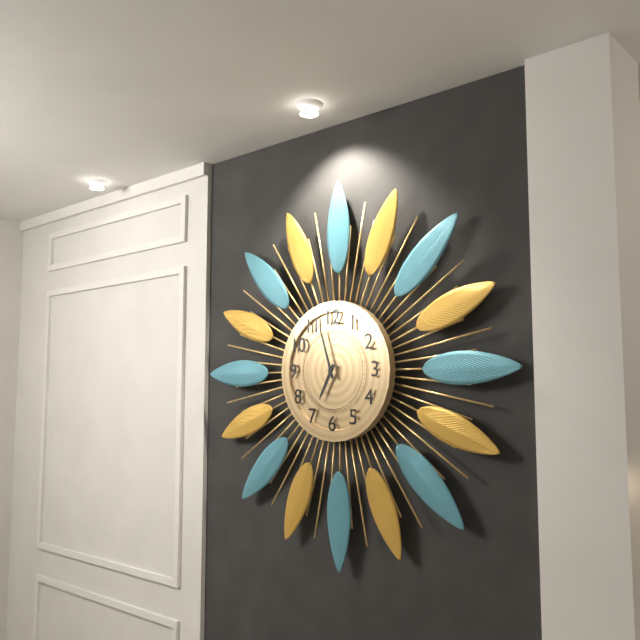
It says 6.57
